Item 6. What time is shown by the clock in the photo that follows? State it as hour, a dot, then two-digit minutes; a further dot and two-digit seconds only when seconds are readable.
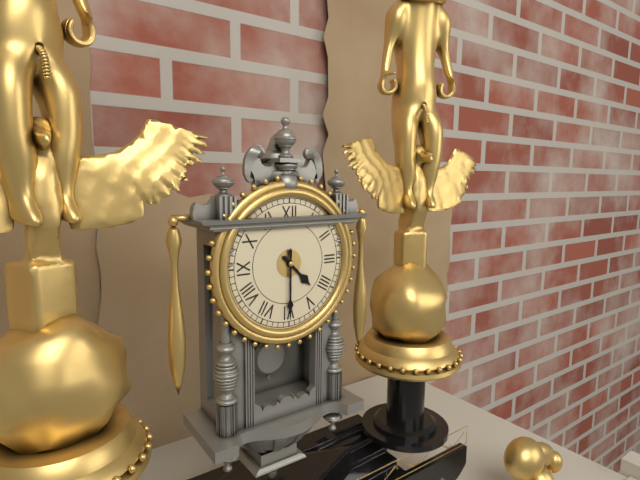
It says 4.30
